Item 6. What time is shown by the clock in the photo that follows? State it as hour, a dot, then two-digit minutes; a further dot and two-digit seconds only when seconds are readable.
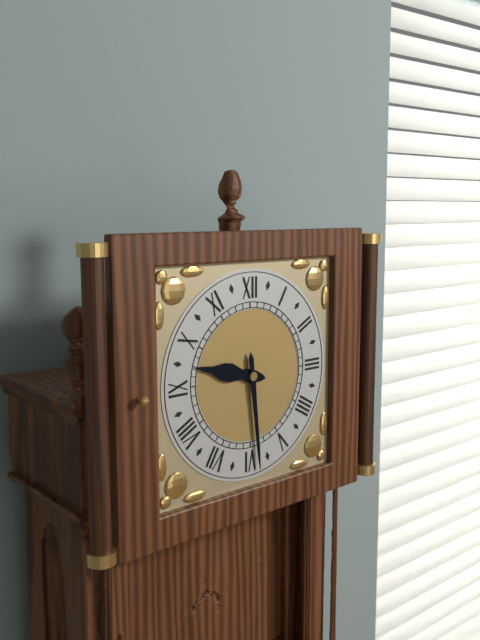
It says 9.29
